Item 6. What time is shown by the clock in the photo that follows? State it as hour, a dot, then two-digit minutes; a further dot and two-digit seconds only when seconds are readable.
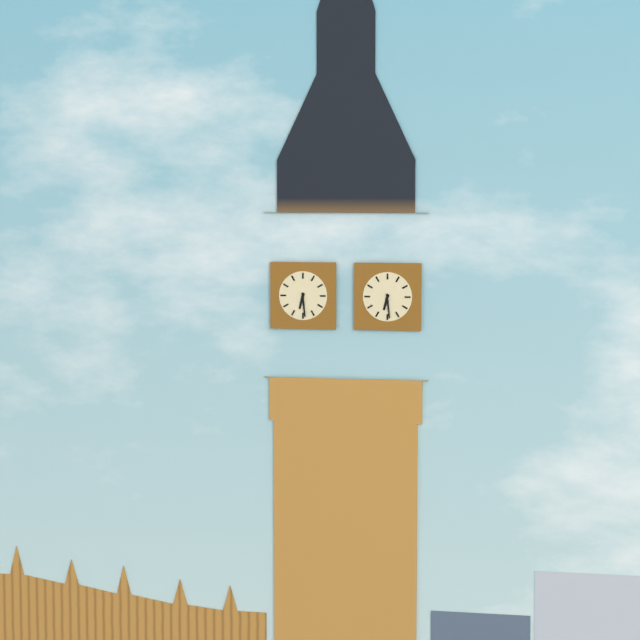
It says 6.29
